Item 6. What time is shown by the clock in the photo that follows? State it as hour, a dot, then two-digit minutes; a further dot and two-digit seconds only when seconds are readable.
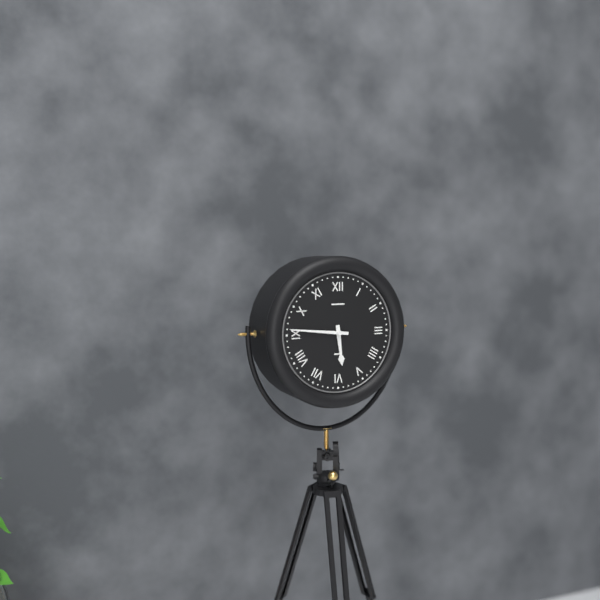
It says 5.46
